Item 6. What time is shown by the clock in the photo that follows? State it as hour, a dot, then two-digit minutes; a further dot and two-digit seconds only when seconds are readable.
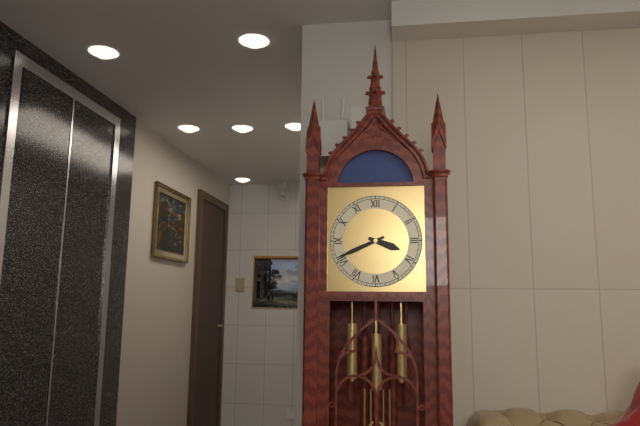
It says 3.41
